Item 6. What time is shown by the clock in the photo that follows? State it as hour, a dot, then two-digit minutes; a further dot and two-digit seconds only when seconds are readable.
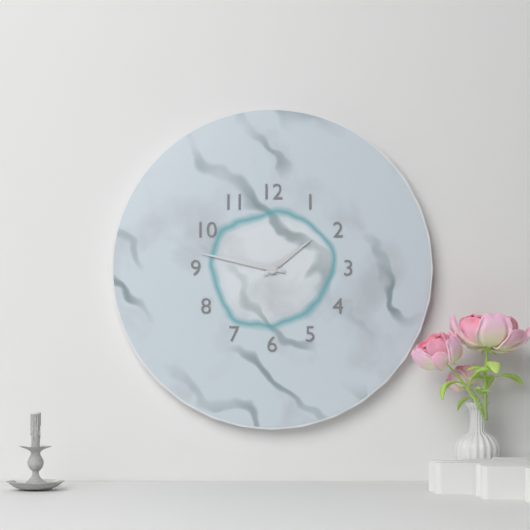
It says 1.47
